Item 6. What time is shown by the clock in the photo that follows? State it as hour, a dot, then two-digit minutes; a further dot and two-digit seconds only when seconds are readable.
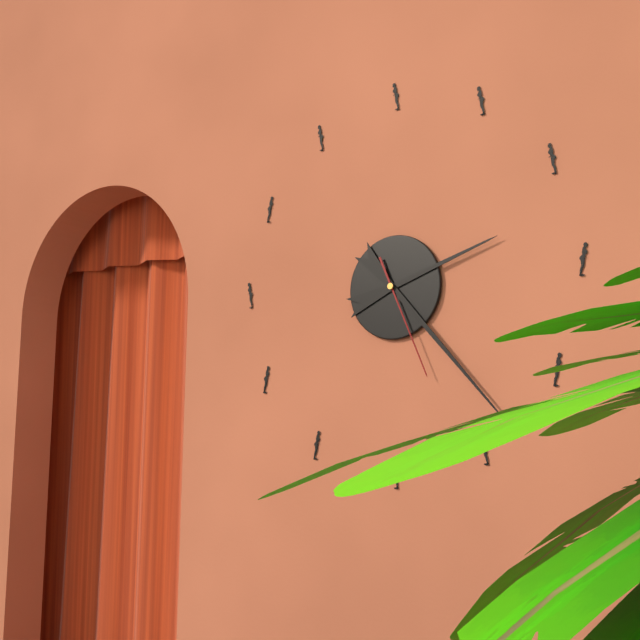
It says 2.23.26
